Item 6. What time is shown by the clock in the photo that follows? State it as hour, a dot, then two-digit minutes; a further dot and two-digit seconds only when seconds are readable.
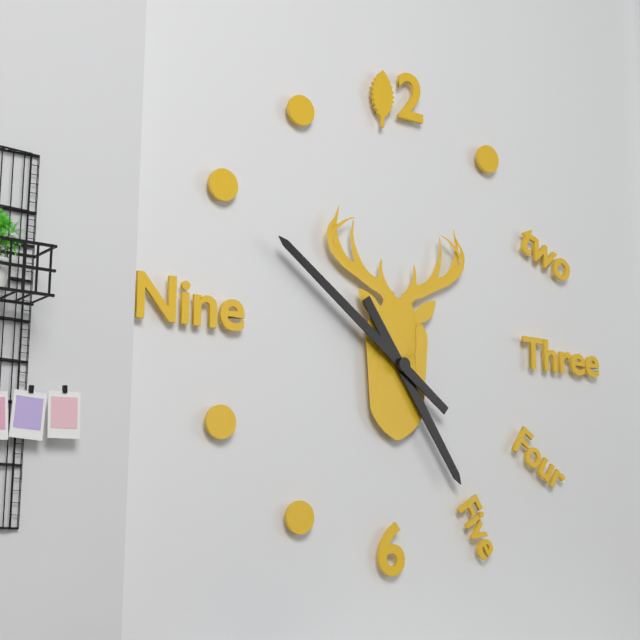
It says 4.51
